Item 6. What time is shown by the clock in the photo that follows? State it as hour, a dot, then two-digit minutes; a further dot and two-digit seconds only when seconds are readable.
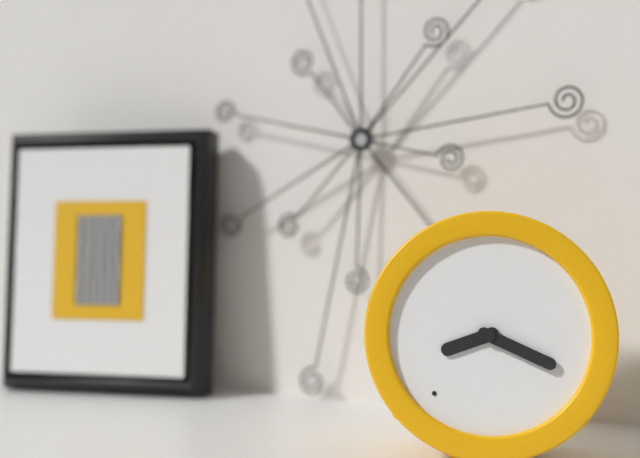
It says 8.19
